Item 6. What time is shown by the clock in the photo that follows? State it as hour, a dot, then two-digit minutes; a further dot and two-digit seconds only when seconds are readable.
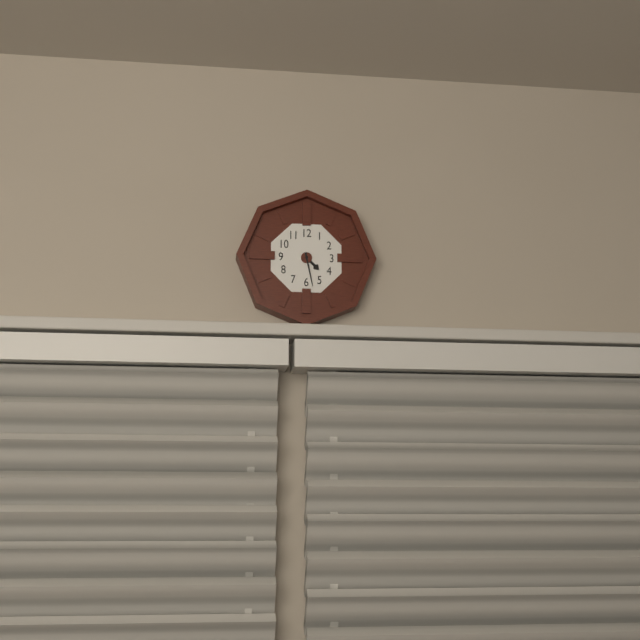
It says 4.28
